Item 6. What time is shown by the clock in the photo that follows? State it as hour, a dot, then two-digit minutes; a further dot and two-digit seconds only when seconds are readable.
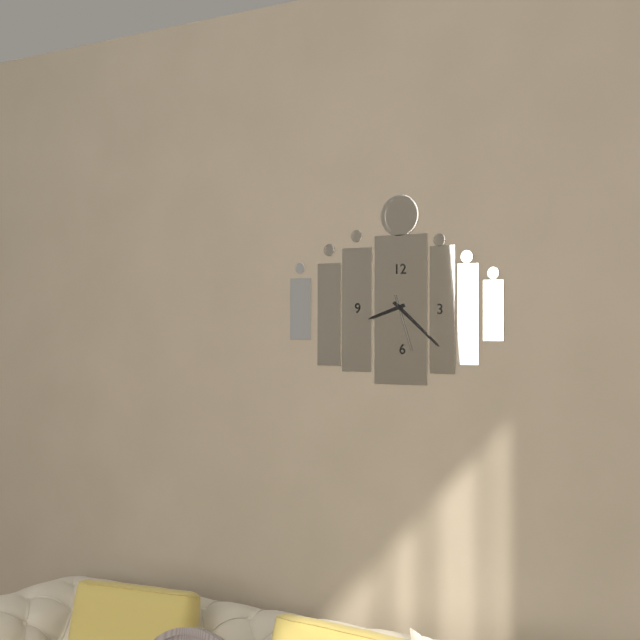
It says 8.22.27
